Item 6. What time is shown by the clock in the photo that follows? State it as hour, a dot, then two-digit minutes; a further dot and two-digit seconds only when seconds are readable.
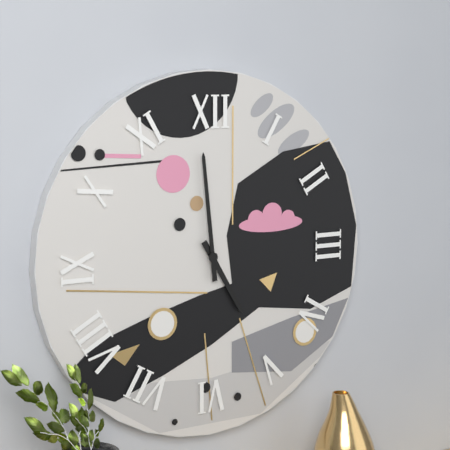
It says 4.59
